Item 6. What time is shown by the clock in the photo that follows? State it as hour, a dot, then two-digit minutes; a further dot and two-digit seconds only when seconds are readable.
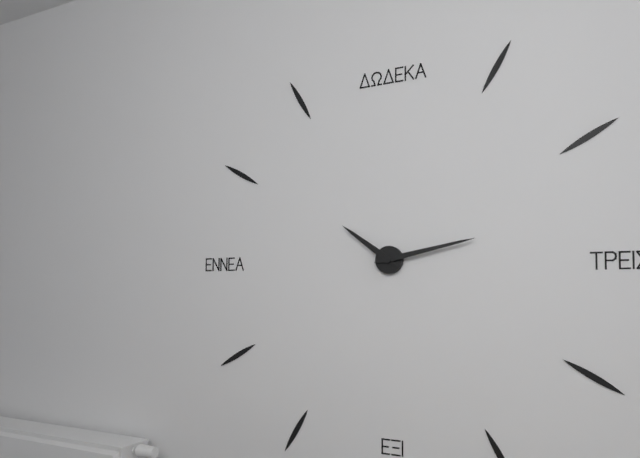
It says 10.13
